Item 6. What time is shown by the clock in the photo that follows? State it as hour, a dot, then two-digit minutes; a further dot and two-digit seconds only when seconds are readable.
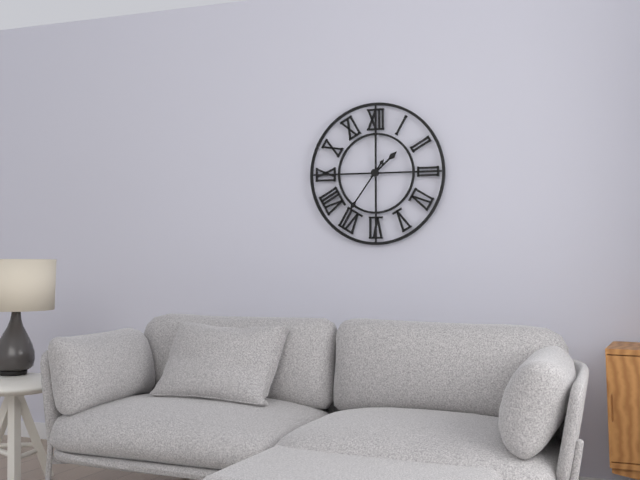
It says 1.36
